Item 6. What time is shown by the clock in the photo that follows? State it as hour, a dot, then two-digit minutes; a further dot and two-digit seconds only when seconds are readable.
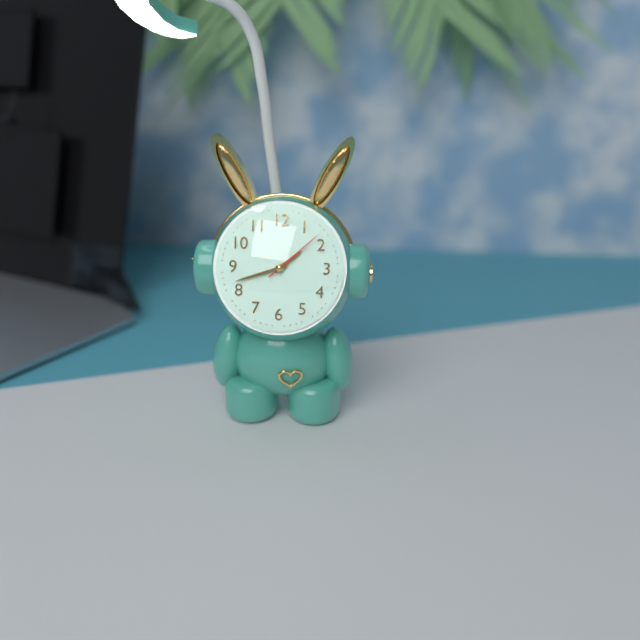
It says 1.42.08
